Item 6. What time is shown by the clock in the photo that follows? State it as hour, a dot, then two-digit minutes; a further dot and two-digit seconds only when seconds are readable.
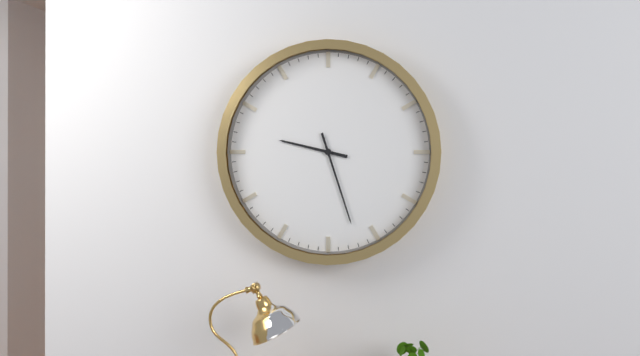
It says 9.27
